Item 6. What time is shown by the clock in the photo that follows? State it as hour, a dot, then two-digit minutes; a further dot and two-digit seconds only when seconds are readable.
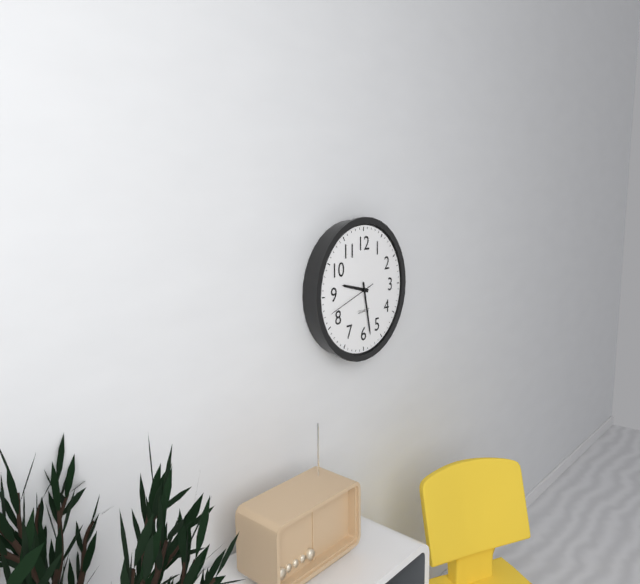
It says 9.28.42
